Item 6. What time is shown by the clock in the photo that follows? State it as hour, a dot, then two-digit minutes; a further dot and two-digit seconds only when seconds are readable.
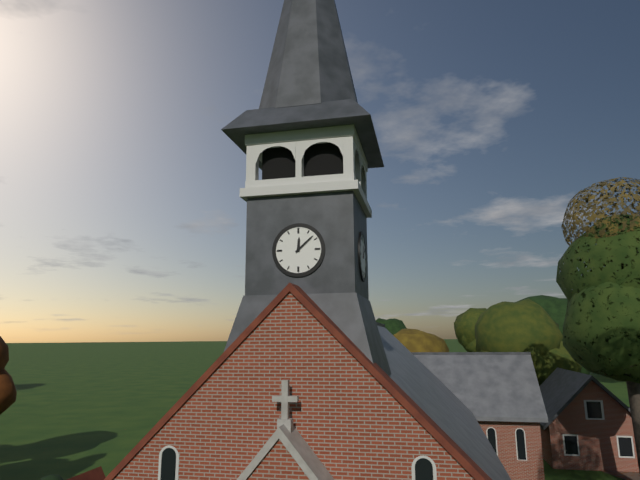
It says 12.08
